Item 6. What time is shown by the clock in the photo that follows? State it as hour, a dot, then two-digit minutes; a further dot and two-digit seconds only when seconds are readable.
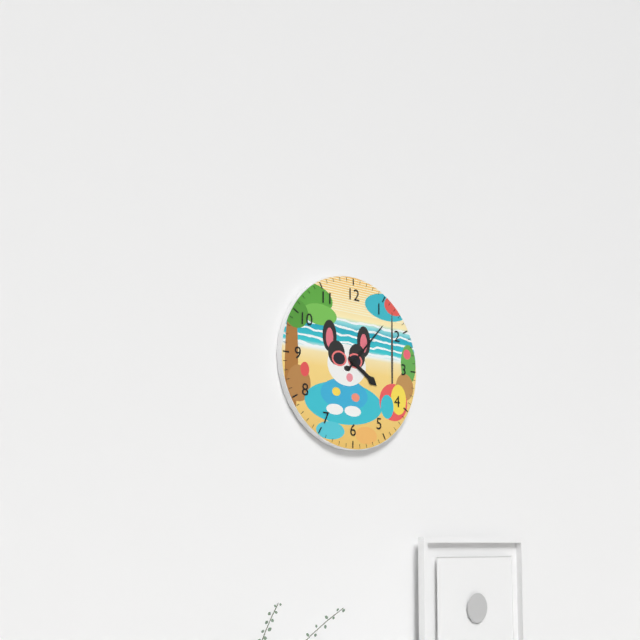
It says 4.07
